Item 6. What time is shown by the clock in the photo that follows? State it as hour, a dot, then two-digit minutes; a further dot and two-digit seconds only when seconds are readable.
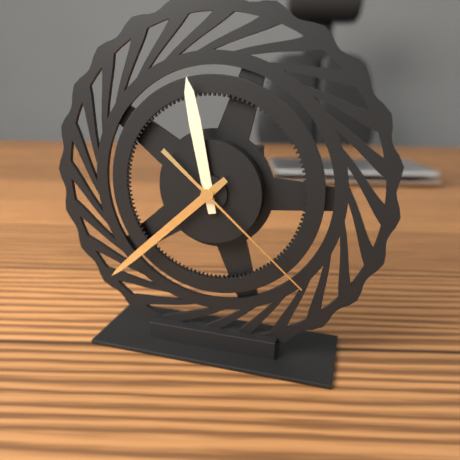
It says 11.38.22
